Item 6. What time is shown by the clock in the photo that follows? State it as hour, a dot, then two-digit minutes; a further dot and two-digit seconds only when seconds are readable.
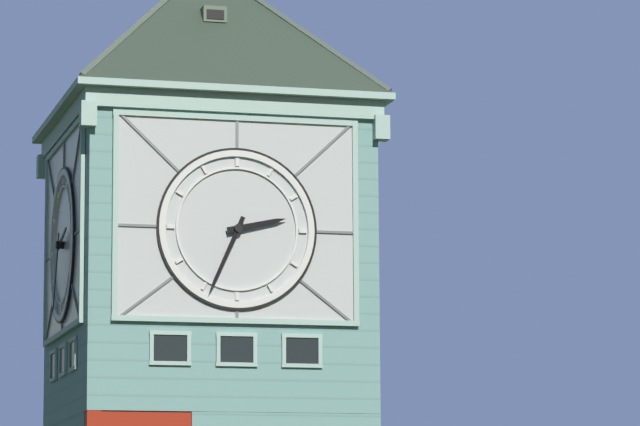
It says 2.34
